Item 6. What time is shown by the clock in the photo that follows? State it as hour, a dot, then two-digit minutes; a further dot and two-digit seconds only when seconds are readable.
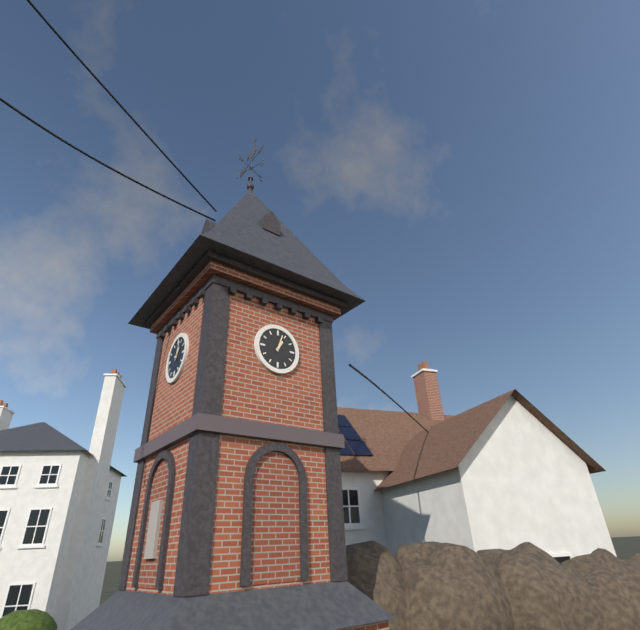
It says 1.03
